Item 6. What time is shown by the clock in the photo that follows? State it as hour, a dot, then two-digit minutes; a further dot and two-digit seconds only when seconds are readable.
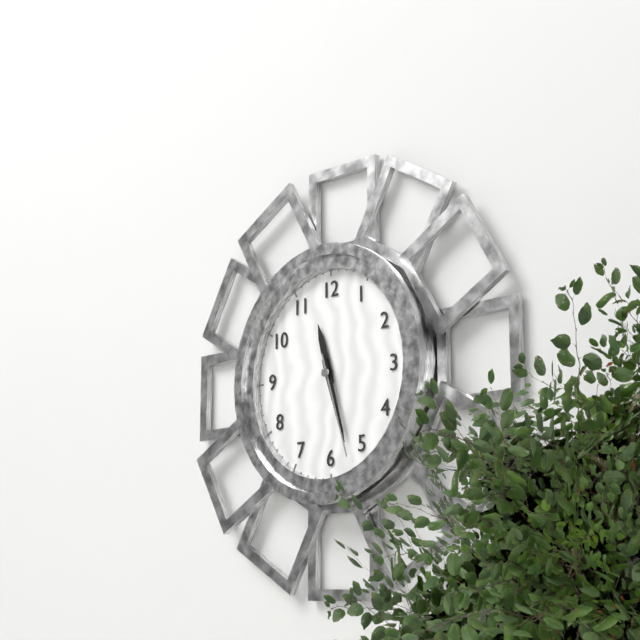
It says 11.27.27
